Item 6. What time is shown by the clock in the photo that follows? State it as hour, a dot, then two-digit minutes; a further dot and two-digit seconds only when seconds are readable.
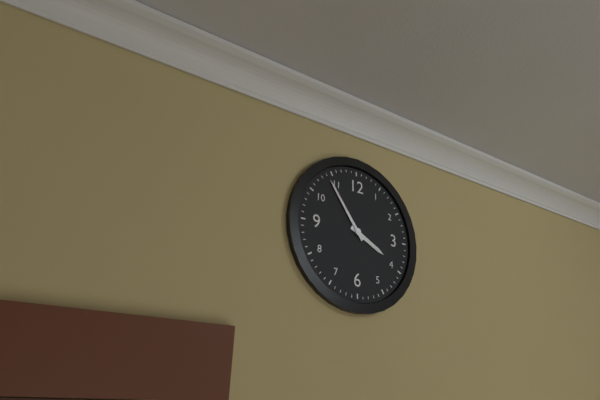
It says 3.54
